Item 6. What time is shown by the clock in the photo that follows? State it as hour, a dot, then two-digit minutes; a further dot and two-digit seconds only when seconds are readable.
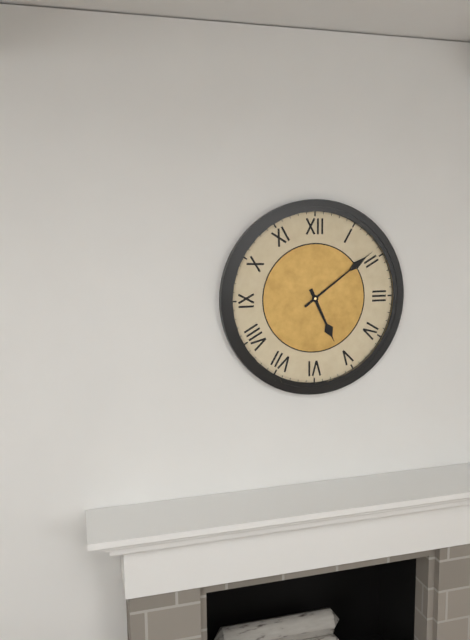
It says 5.09
